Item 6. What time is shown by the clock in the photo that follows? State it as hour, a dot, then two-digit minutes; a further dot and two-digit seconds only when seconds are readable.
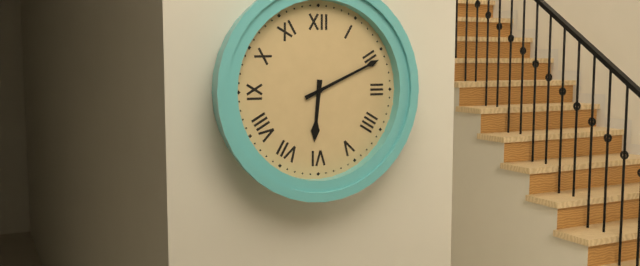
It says 6.11
